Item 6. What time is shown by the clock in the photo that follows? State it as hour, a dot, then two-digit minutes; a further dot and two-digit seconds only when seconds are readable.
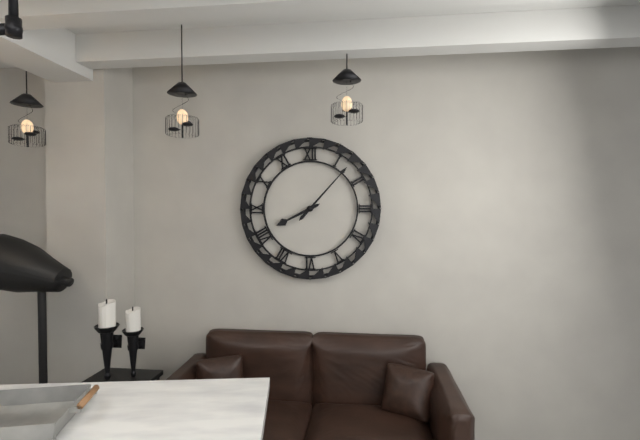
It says 8.07
